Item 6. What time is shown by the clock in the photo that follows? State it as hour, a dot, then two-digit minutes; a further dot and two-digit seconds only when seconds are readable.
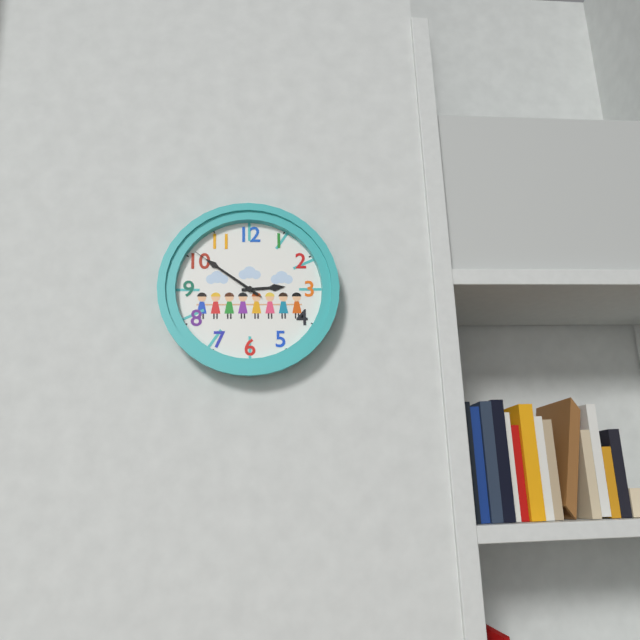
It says 2.51.51
